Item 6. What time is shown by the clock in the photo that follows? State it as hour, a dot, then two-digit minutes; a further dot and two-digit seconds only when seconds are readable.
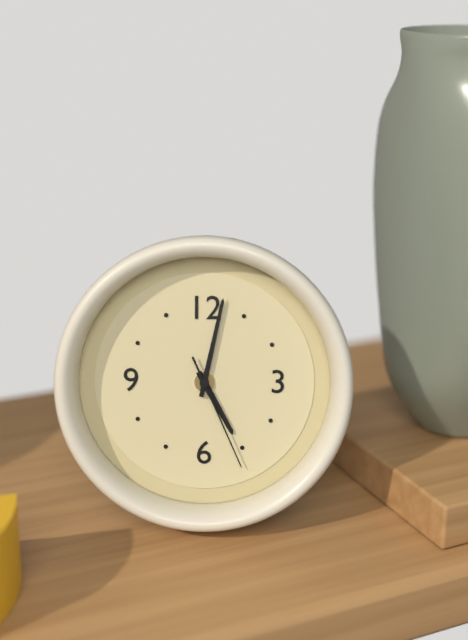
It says 5.02.26
